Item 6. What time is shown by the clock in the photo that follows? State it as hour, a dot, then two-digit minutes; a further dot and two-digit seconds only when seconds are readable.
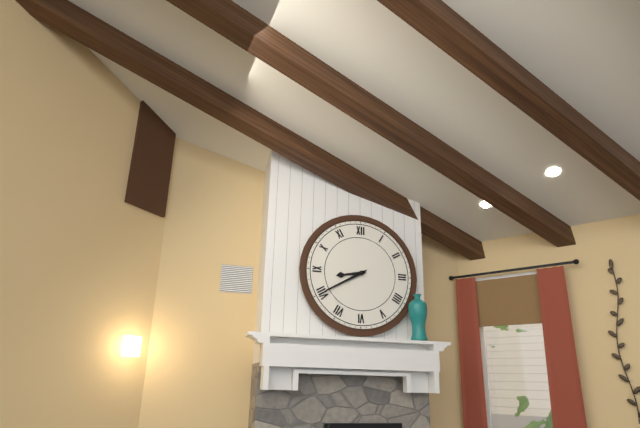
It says 8.40
